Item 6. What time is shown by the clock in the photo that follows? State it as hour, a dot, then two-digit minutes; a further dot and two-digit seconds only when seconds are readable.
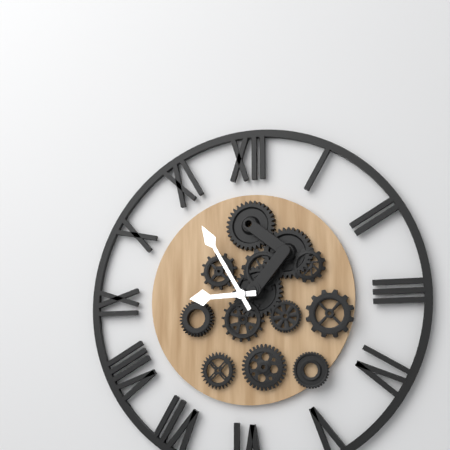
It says 8.55
